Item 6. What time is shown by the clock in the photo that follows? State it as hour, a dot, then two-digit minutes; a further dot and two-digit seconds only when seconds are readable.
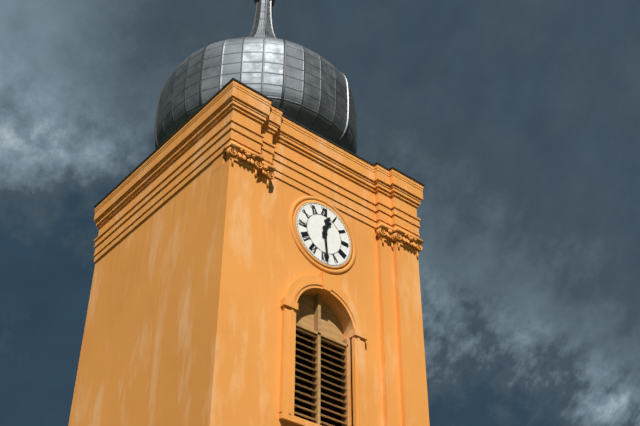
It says 12.29
